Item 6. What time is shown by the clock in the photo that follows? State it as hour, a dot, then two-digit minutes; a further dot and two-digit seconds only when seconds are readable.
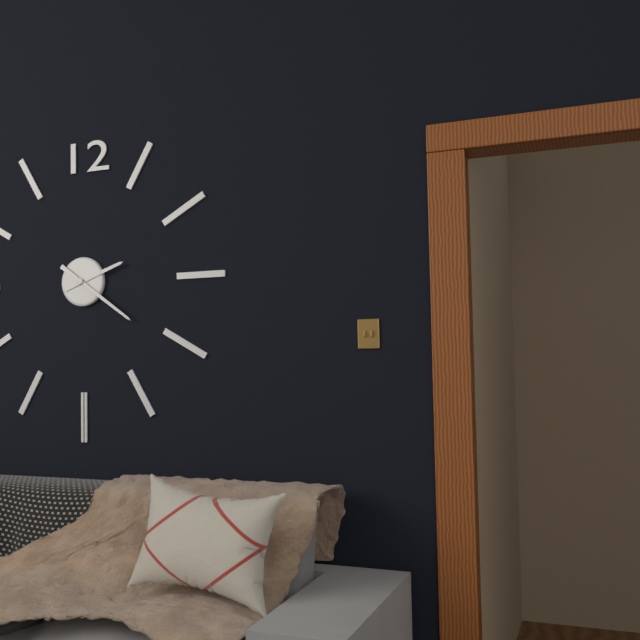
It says 2.21
